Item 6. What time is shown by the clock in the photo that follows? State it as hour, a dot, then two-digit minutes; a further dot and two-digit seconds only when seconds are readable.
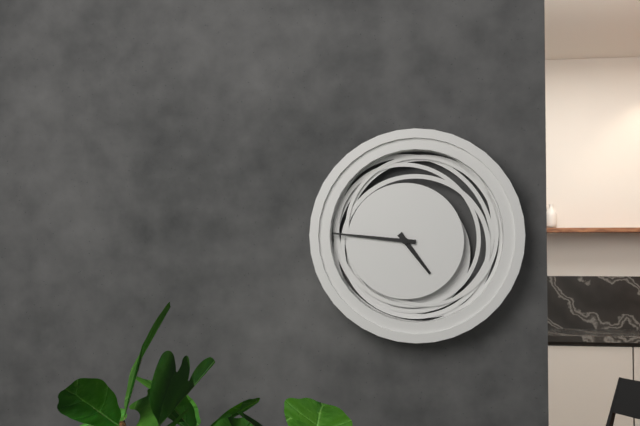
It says 4.46
